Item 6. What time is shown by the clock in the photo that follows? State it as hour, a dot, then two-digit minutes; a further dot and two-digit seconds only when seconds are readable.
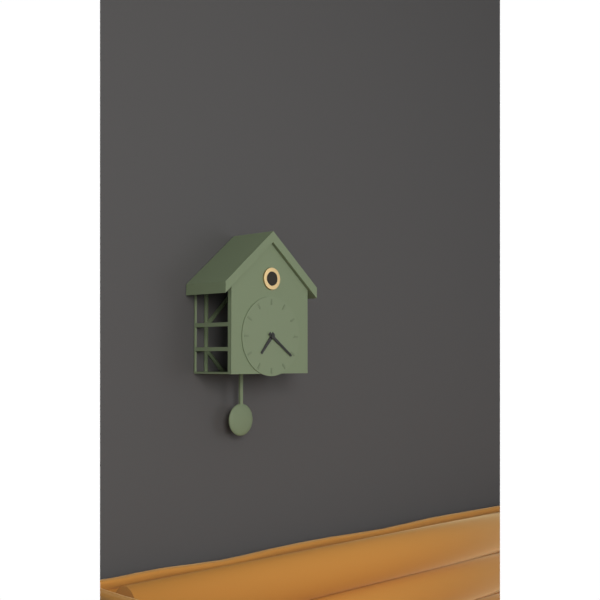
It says 7.21
